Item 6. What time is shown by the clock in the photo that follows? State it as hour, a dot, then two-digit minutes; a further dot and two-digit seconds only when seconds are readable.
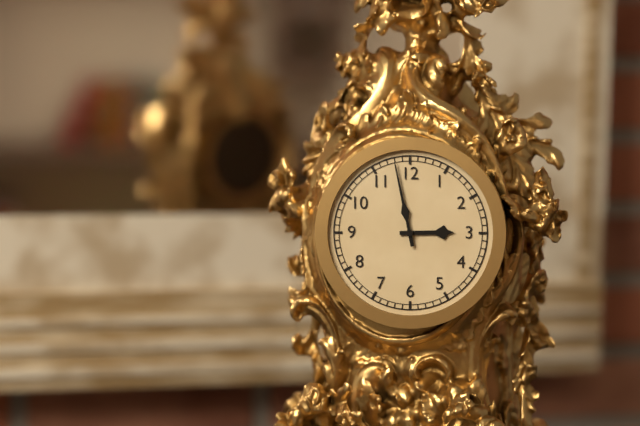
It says 2.58
